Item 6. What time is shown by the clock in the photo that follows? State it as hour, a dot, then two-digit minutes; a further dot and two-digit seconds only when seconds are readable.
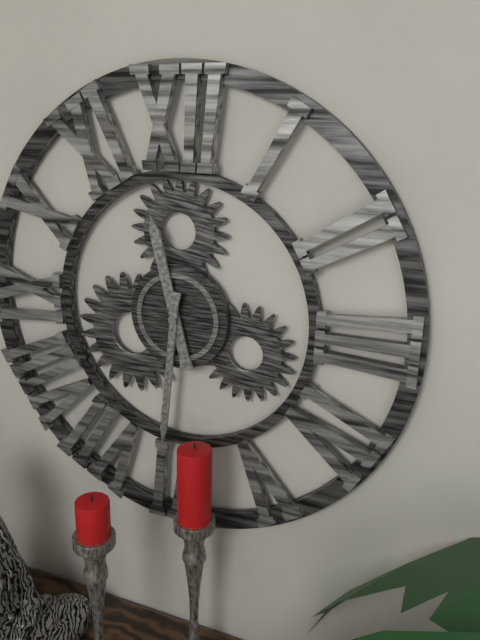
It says 11.31
